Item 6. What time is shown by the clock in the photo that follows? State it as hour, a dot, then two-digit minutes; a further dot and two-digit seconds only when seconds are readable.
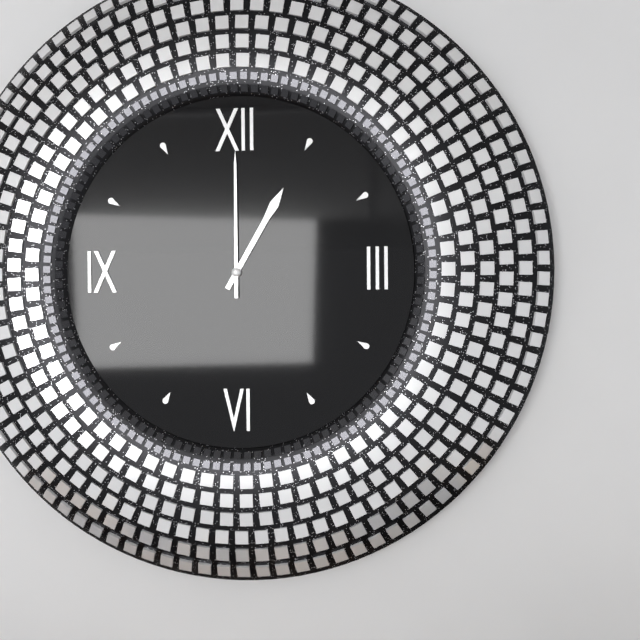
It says 1.00
